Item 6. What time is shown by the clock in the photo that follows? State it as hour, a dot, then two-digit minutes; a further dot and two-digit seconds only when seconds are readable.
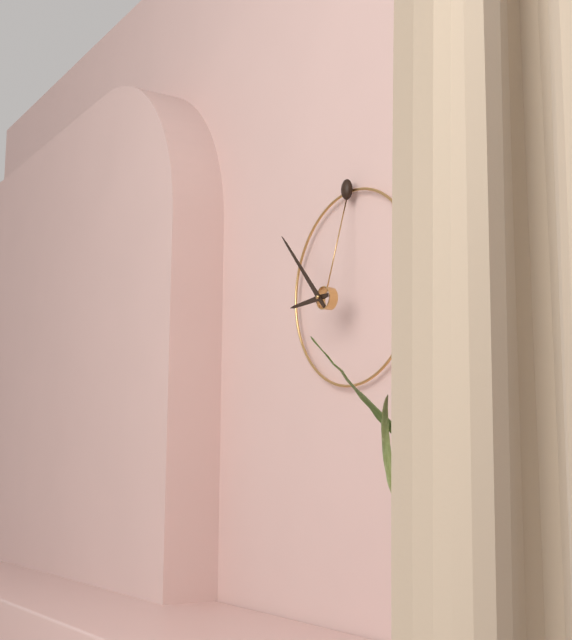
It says 8.53
